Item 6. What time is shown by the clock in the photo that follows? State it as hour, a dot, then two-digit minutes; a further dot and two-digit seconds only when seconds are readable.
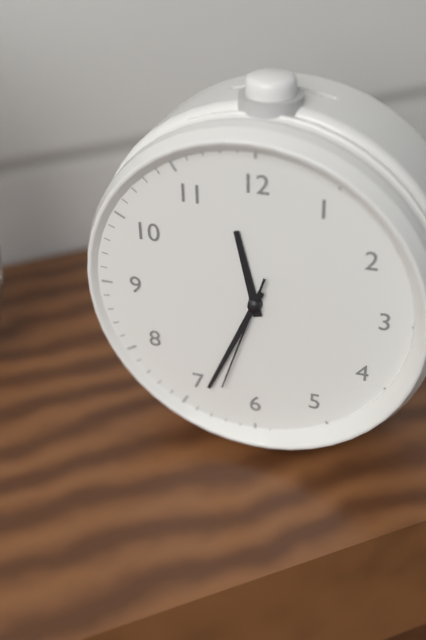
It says 11.34.33
